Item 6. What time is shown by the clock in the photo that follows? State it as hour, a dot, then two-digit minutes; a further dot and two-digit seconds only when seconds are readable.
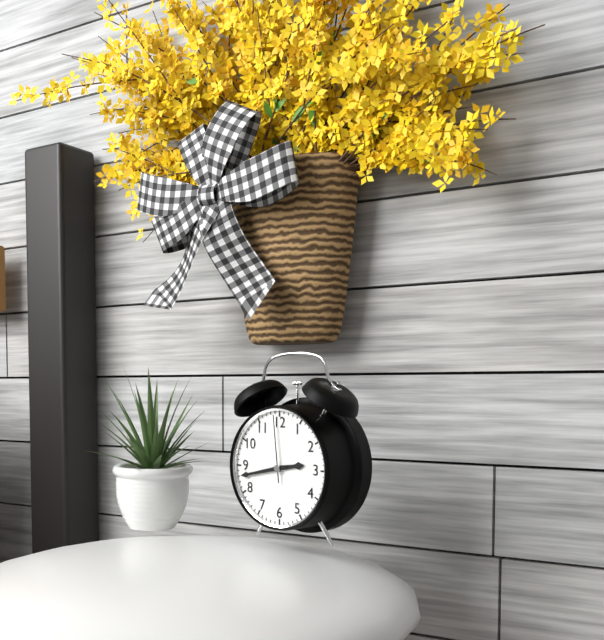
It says 2.43.59
